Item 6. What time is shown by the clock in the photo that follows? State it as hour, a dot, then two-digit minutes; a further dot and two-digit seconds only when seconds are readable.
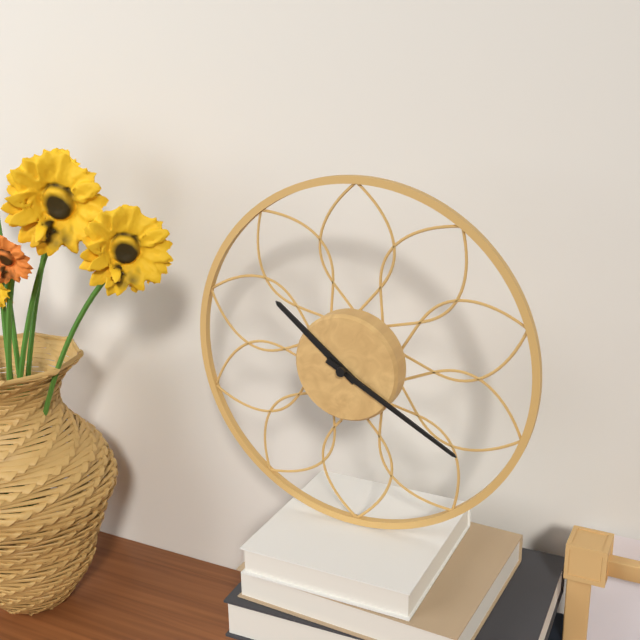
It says 10.20
